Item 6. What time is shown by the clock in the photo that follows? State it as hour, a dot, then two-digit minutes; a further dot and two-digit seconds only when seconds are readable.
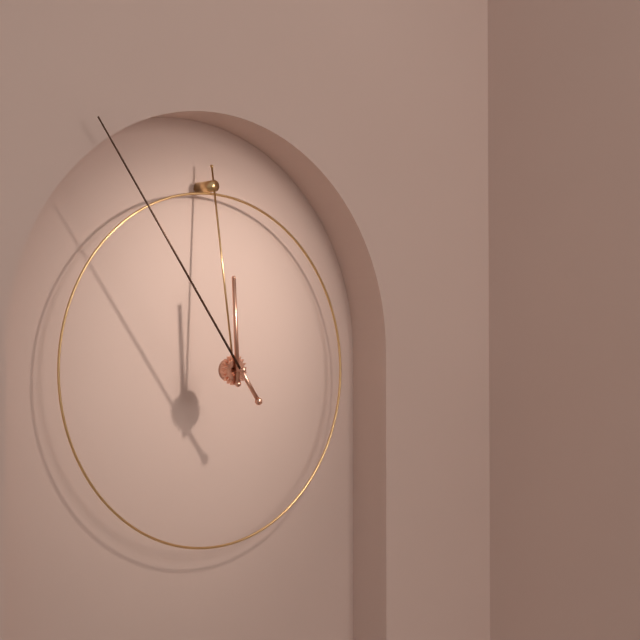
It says 11.54
